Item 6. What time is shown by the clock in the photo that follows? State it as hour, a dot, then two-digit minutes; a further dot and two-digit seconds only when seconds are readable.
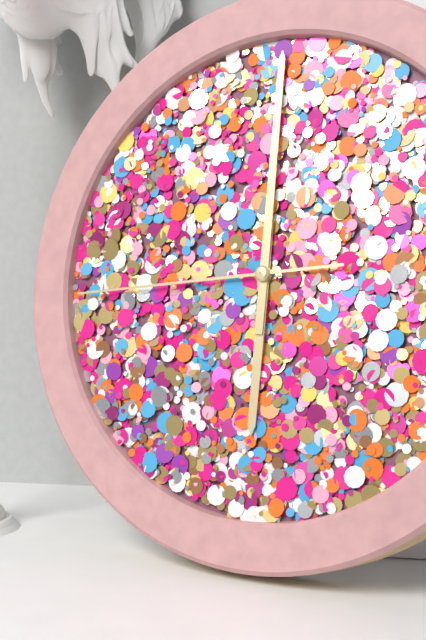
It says 6.00.44
